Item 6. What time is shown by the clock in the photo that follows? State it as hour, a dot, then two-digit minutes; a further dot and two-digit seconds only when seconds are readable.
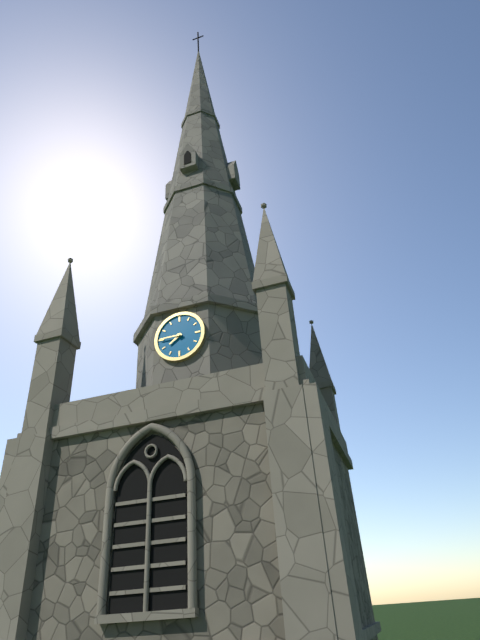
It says 7.45
